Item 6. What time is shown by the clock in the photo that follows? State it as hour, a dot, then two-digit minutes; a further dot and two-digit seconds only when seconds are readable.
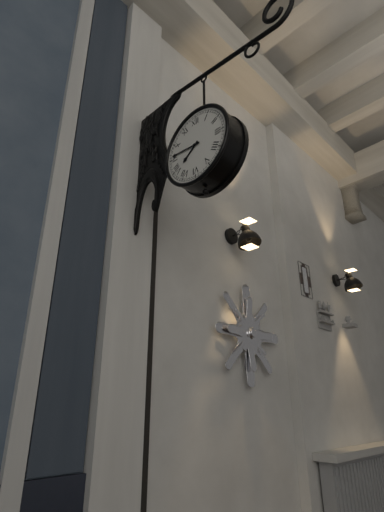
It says 7.46
